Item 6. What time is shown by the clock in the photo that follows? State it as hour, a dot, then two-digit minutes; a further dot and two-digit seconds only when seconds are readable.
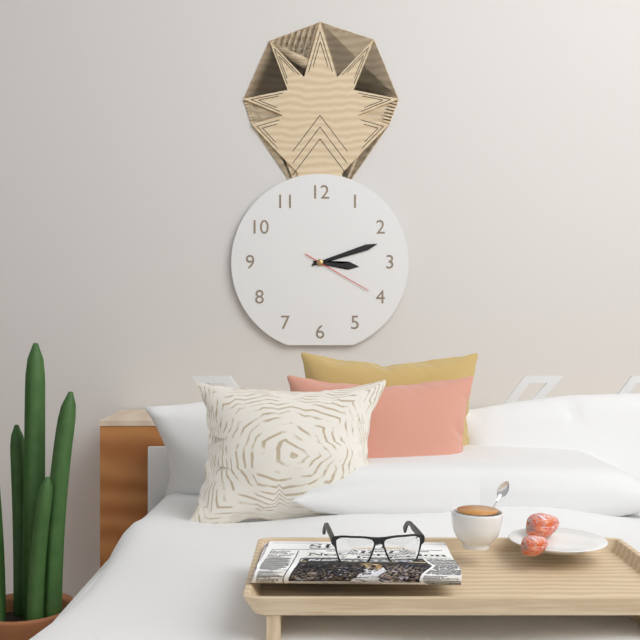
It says 3.12.20
